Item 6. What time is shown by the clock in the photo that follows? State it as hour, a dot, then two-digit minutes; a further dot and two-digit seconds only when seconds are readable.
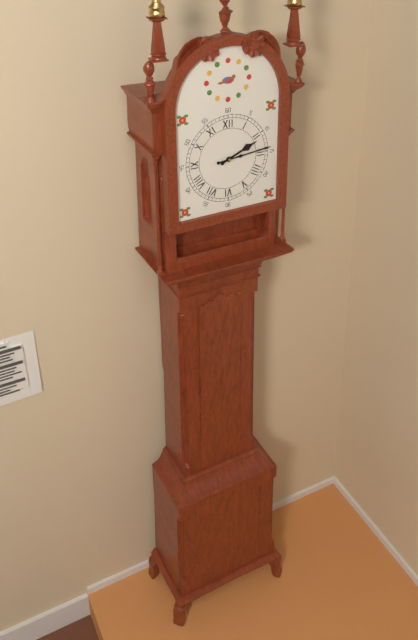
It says 2.14
